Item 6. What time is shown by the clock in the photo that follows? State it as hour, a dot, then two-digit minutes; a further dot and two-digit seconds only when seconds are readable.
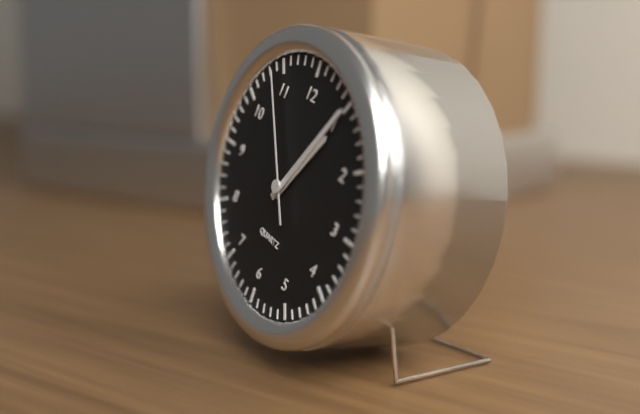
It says 1.05.54
